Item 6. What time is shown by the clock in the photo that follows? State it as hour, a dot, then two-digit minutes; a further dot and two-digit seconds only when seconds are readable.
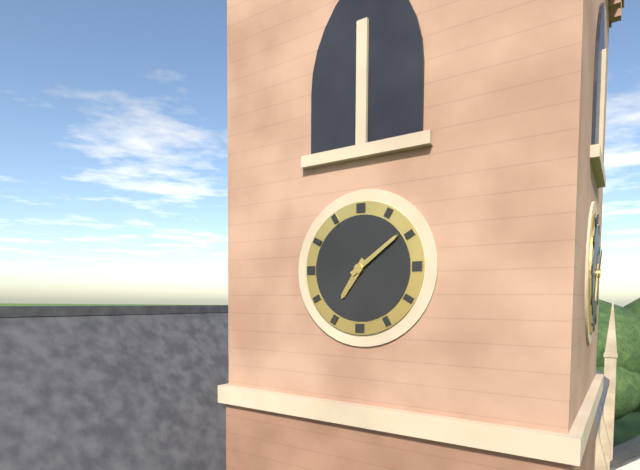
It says 7.09
